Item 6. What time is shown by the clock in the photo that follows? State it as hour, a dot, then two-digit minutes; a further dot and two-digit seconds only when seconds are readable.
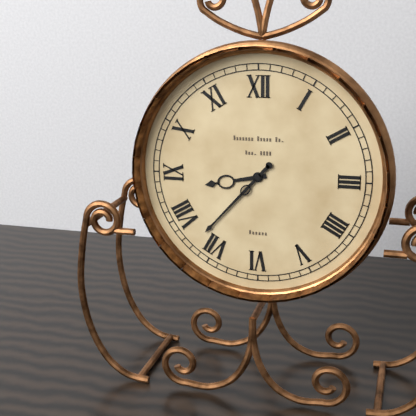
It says 8.37
